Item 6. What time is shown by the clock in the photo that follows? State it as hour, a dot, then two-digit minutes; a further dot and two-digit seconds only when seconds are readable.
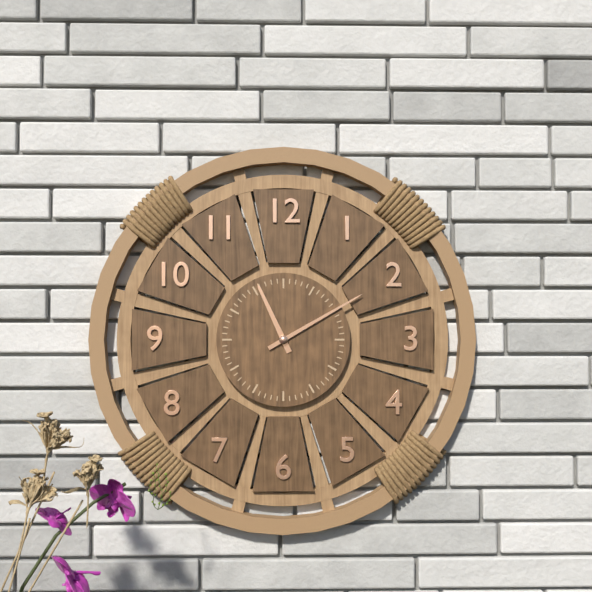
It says 11.10
